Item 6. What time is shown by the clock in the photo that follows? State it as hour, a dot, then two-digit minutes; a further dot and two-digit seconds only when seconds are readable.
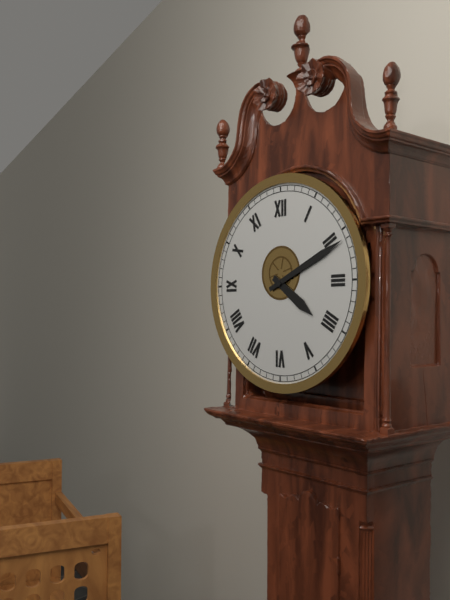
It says 4.11
